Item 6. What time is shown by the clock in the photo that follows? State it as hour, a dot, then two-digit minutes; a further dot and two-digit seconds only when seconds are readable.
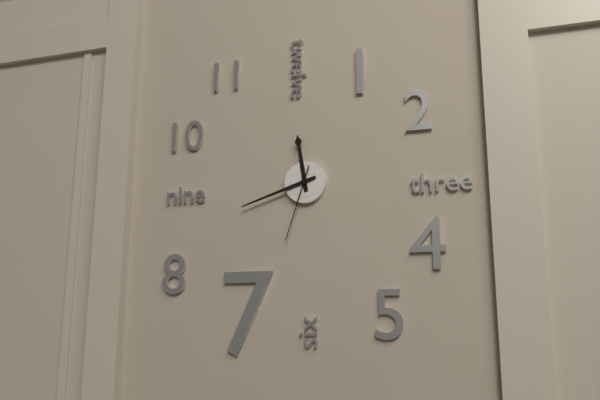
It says 11.42.33
